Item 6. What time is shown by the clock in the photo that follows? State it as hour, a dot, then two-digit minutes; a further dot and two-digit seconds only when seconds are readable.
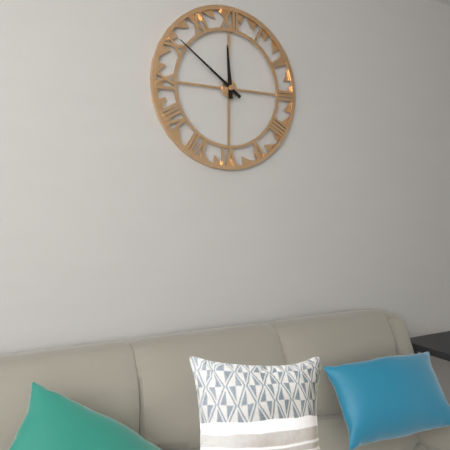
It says 11.51
